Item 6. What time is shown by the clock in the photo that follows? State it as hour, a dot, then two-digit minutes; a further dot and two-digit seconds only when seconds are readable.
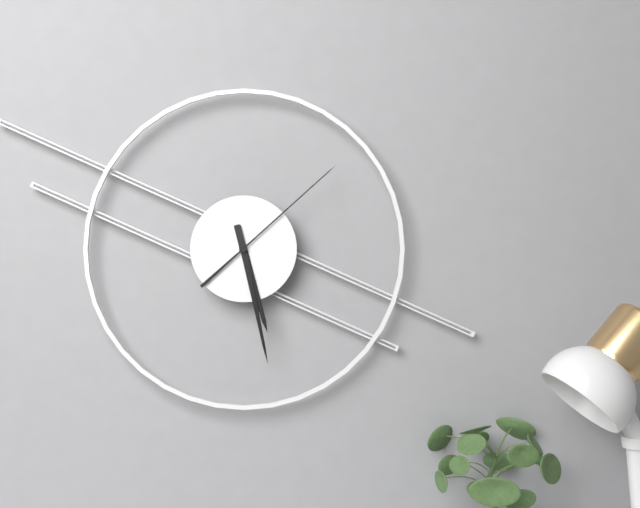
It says 5.28.08
